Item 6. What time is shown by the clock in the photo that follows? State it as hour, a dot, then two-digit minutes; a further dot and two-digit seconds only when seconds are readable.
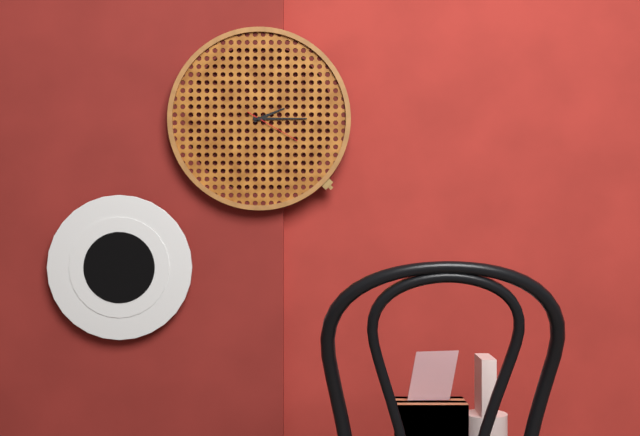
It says 2.15.20
